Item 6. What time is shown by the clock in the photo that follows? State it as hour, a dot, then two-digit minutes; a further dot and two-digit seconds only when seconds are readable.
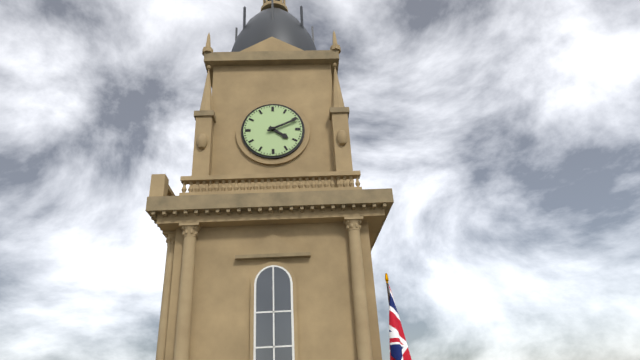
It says 4.11
